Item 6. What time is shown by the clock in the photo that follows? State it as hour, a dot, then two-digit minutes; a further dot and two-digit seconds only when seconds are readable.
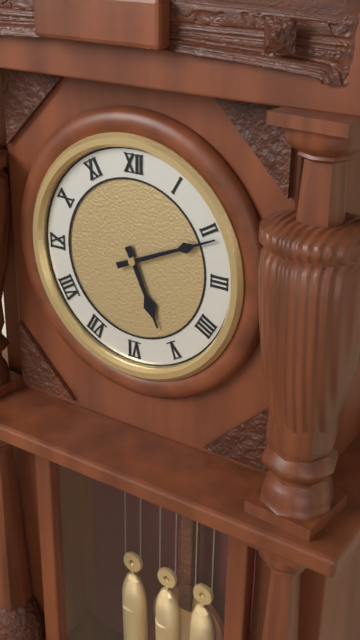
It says 5.11
